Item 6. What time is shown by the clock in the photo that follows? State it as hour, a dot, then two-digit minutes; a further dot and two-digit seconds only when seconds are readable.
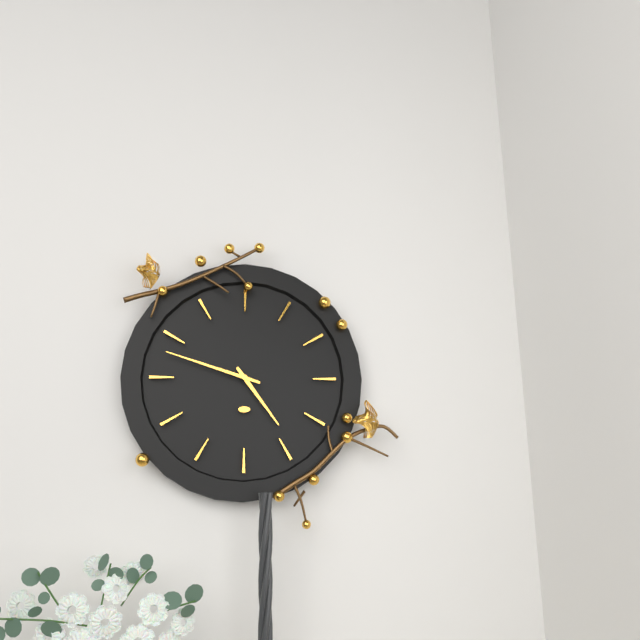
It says 4.48
